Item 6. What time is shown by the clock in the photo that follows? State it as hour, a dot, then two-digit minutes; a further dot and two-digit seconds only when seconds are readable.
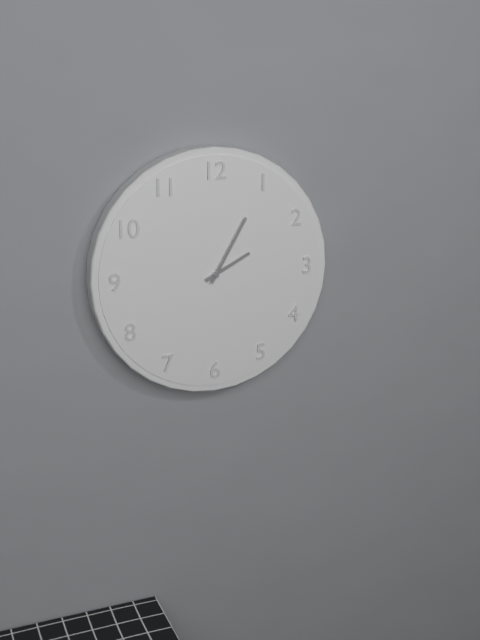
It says 2.05
